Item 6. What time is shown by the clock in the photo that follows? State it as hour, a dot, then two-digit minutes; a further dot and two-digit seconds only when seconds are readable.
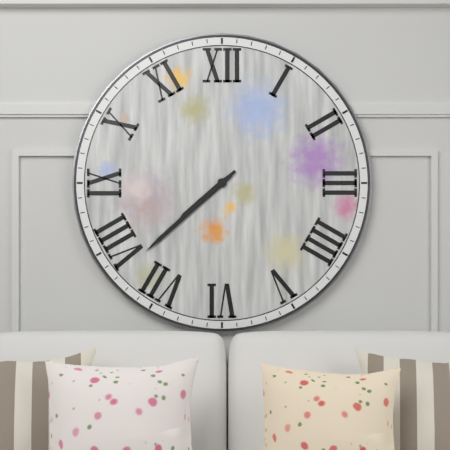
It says 7.38
